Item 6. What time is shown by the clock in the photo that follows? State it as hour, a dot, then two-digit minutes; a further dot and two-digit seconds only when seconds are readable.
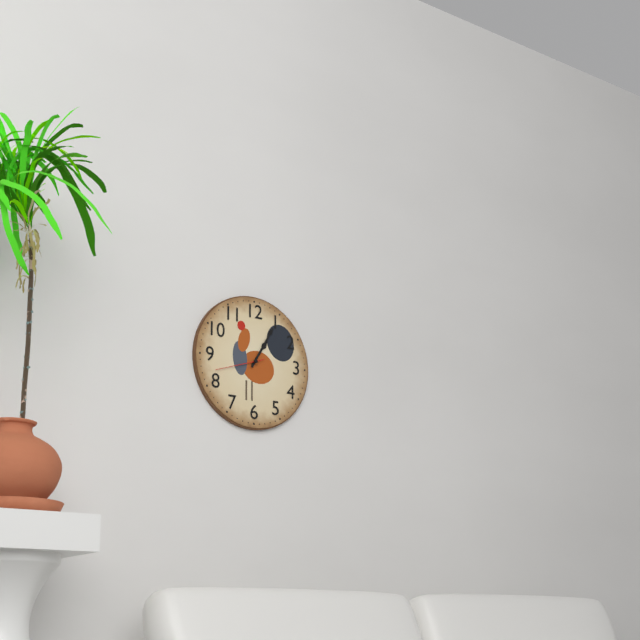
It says 1.05.42
